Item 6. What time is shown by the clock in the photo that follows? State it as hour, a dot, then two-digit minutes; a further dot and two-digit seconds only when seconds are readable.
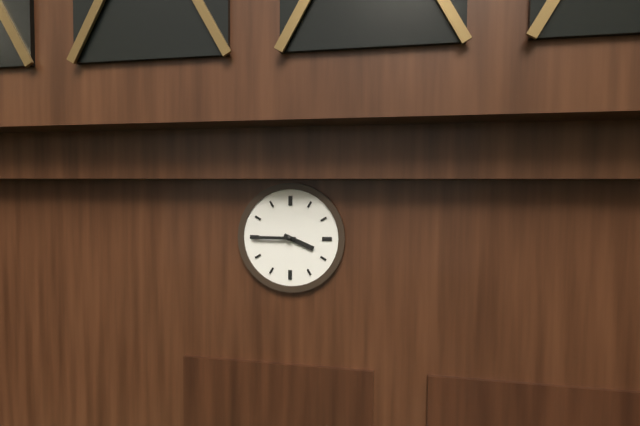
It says 3.45
